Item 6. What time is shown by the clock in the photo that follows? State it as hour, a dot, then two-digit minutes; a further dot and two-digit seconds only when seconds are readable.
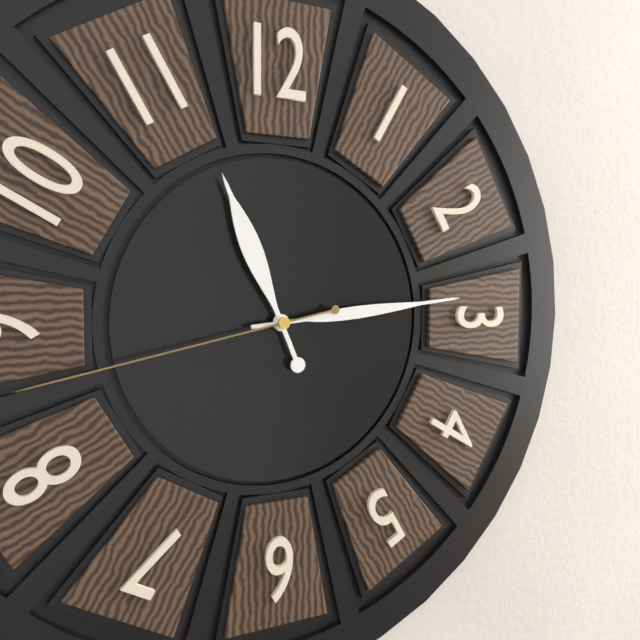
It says 11.14.43
